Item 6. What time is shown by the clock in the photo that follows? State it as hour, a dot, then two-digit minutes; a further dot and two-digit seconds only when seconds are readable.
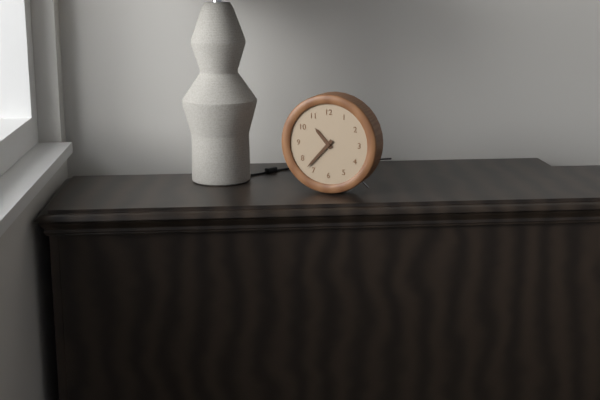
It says 10.37
